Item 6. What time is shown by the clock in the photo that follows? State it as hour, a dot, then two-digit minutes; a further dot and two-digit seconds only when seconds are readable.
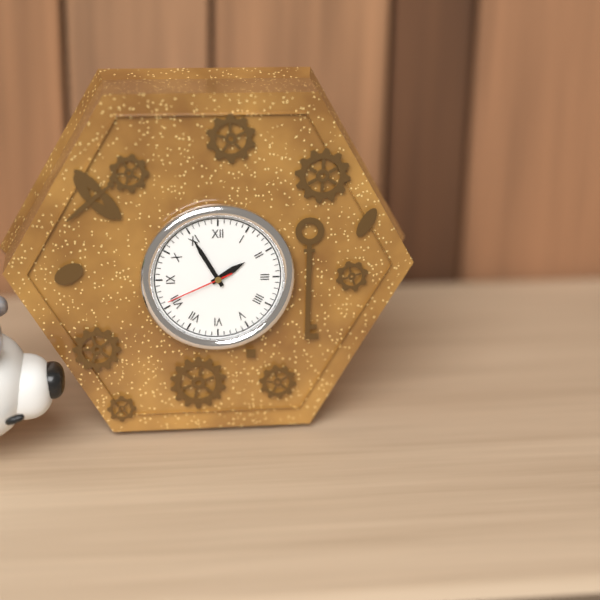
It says 1.55.41
